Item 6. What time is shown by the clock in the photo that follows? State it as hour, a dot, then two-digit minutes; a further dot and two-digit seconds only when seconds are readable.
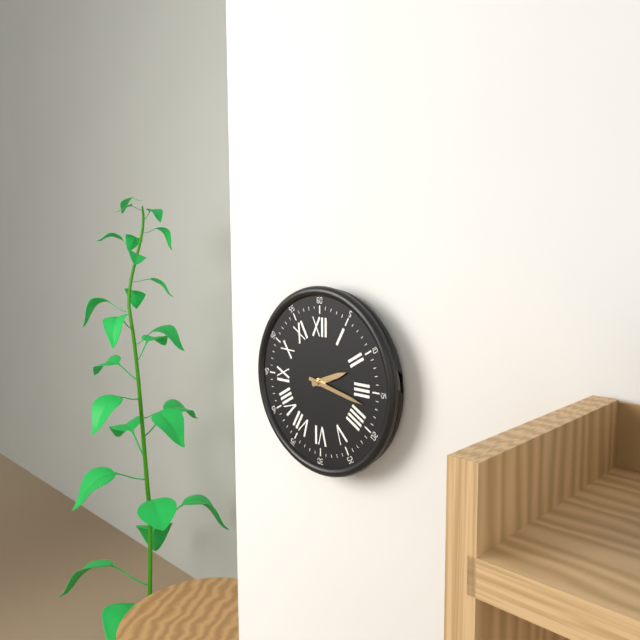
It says 2.17
